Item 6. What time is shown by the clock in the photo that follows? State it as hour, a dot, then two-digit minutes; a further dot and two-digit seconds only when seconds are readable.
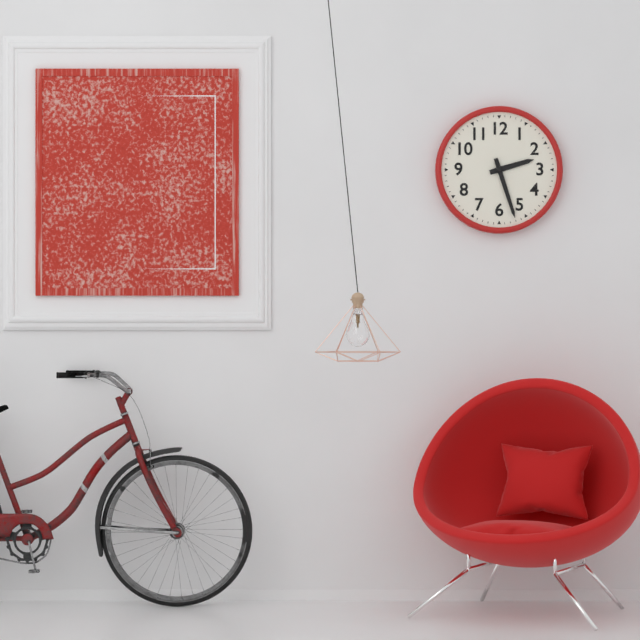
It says 2.27
